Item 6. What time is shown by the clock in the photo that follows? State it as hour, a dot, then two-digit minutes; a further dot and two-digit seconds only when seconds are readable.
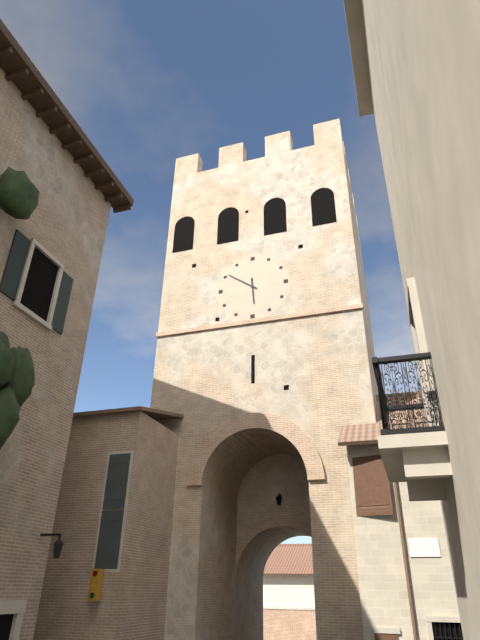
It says 5.51
